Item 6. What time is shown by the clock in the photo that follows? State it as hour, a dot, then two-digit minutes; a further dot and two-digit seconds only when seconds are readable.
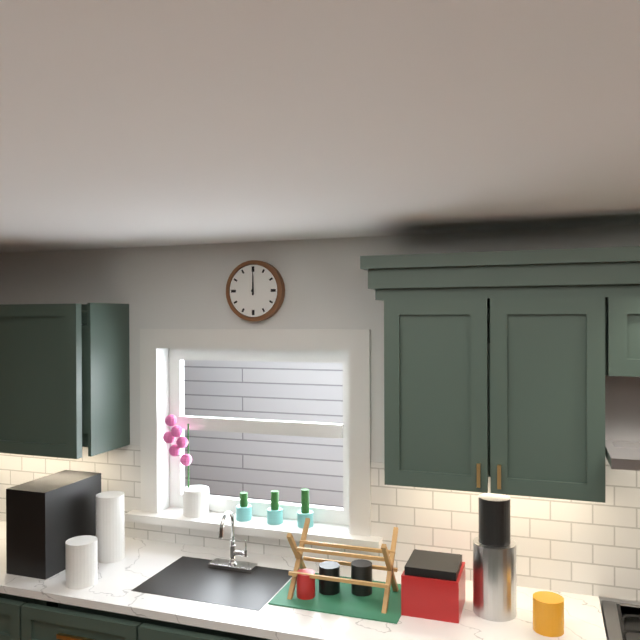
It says 12.00
